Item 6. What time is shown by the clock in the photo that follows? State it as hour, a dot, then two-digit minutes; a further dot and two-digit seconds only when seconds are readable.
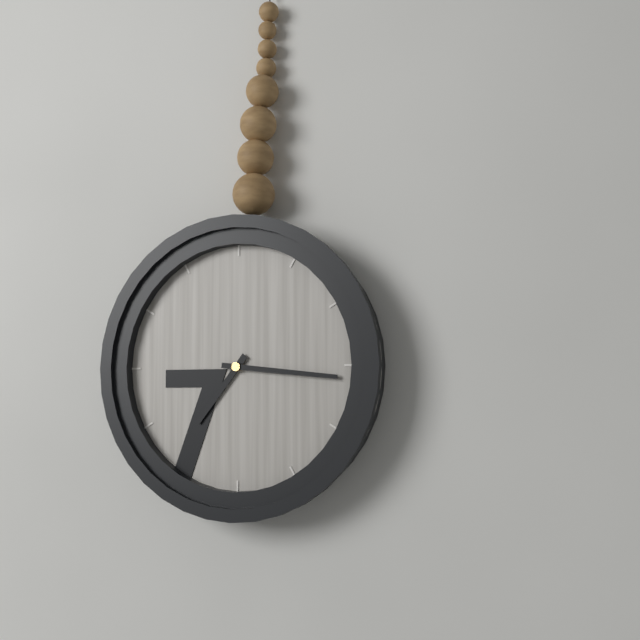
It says 7.16
